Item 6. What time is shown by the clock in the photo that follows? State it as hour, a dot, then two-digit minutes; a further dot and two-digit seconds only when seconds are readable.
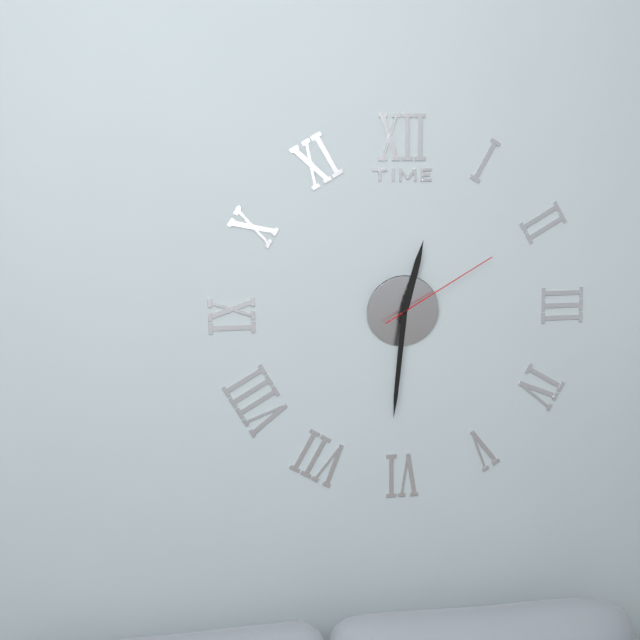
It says 12.31.10
